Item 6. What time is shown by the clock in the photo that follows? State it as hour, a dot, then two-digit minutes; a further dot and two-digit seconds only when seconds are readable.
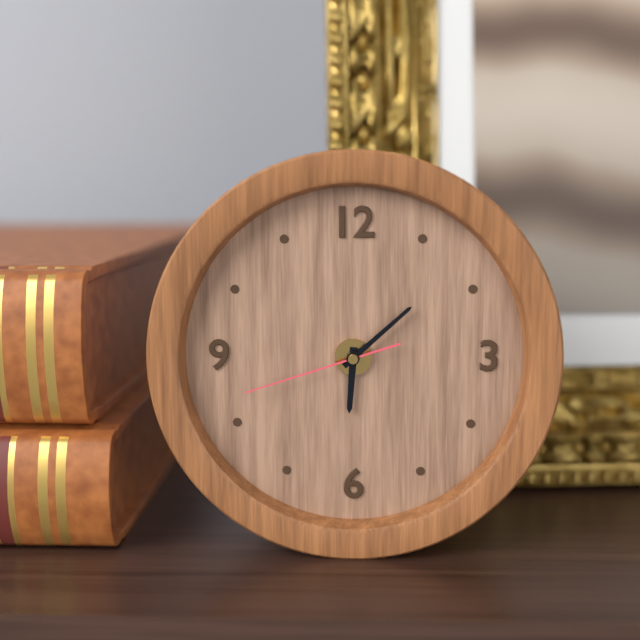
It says 6.08.42
